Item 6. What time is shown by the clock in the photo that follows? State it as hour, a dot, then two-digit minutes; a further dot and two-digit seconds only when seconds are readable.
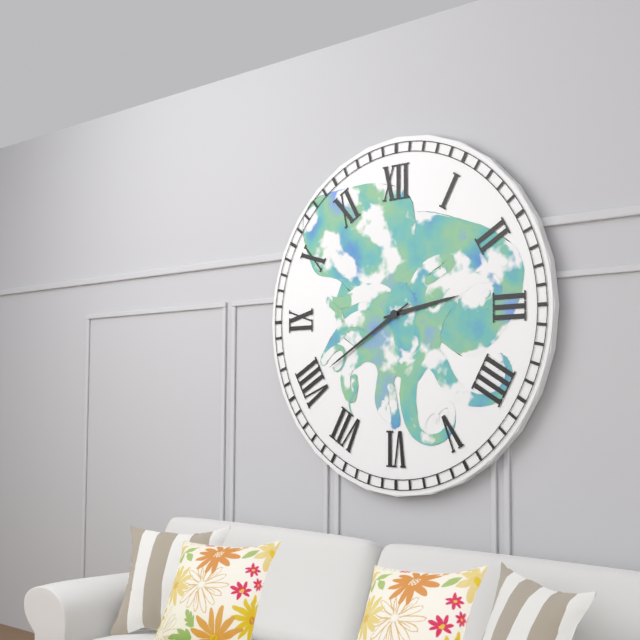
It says 2.40
